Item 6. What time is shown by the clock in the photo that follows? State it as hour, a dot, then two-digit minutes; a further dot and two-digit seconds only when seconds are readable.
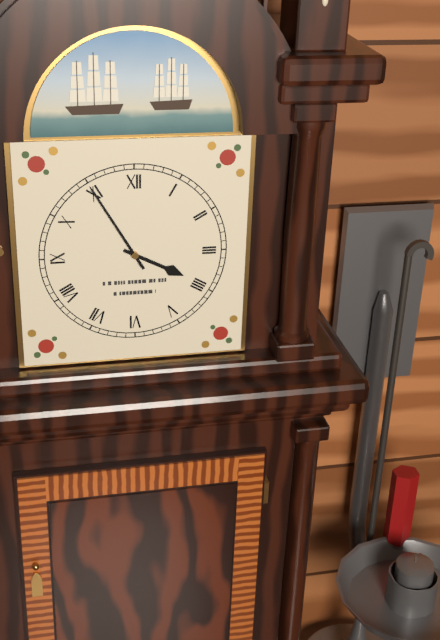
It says 3.55
